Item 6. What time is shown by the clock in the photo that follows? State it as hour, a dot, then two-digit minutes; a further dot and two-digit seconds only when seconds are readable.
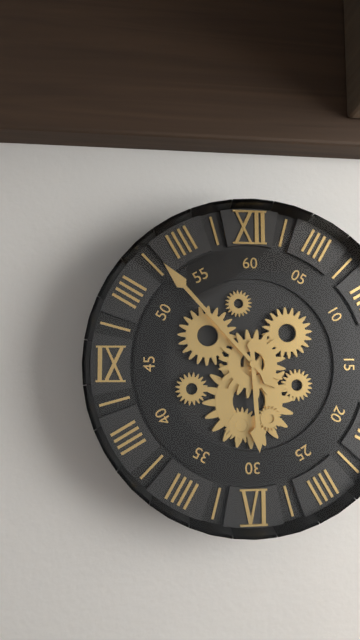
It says 5.53
